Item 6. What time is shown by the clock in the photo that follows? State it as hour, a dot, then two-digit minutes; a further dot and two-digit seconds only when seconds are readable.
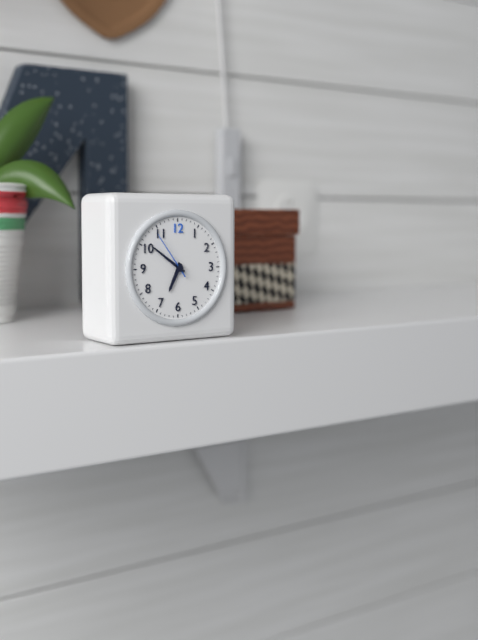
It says 6.51.54
